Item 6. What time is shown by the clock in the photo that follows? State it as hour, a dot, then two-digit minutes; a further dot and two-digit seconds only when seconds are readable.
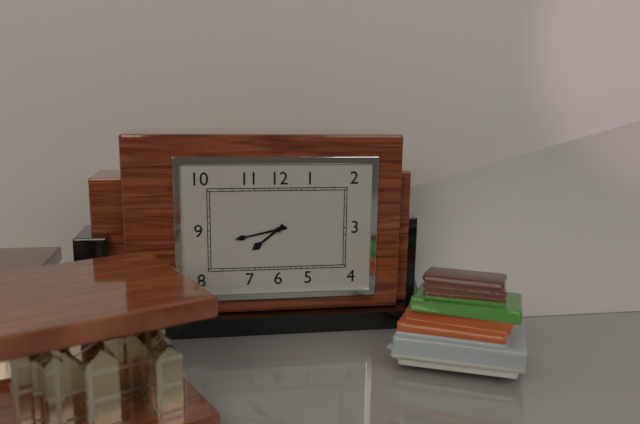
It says 7.43
